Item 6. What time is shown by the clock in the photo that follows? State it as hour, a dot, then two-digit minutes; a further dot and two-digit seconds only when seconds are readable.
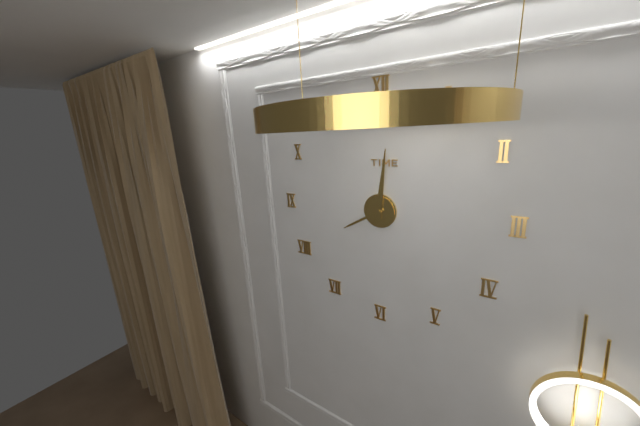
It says 8.01
